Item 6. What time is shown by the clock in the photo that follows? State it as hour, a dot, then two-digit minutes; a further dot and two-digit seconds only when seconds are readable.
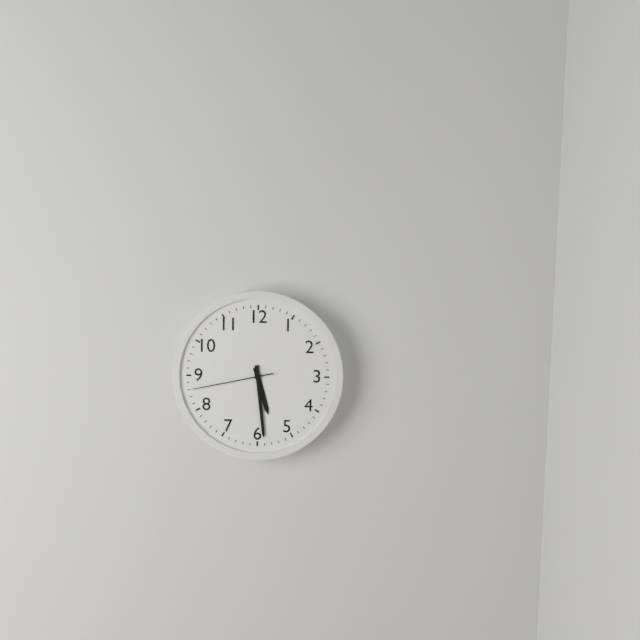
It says 5.29.43
